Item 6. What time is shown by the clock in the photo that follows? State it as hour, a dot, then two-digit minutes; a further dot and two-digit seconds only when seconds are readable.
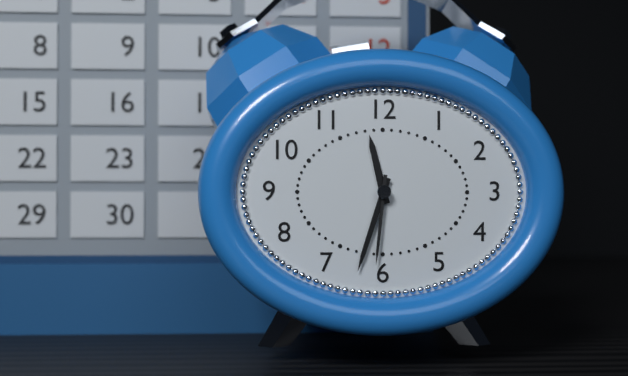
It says 11.33.31
